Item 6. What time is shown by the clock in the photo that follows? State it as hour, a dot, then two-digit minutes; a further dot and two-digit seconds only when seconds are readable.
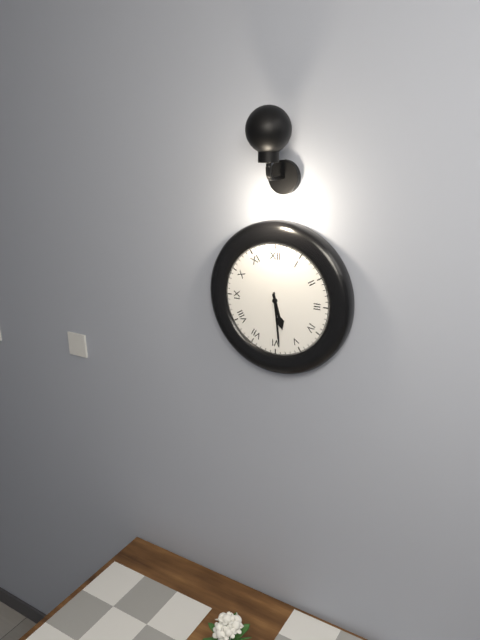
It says 5.29
